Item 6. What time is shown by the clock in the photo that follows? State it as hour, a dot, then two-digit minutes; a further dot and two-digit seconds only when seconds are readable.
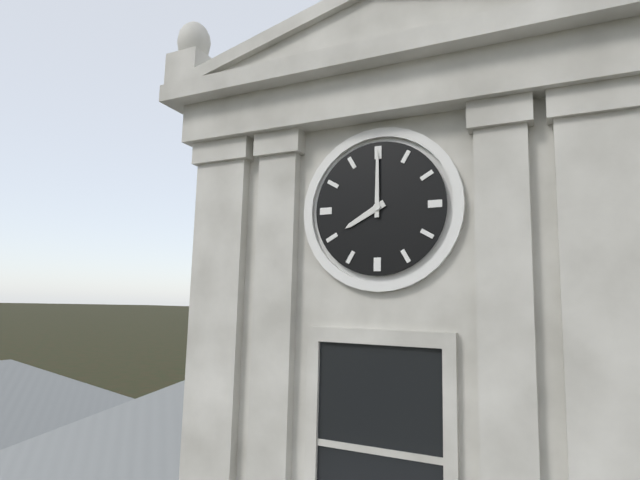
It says 8.00
